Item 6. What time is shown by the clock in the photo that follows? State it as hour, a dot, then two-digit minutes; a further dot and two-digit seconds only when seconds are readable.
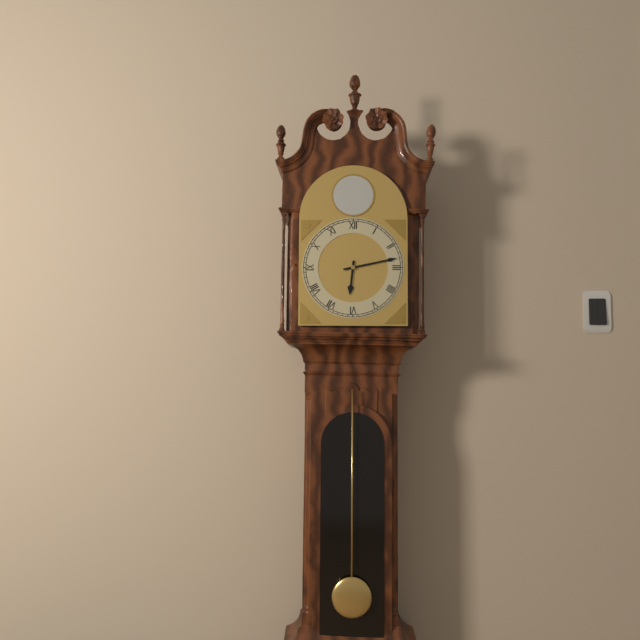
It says 6.13
